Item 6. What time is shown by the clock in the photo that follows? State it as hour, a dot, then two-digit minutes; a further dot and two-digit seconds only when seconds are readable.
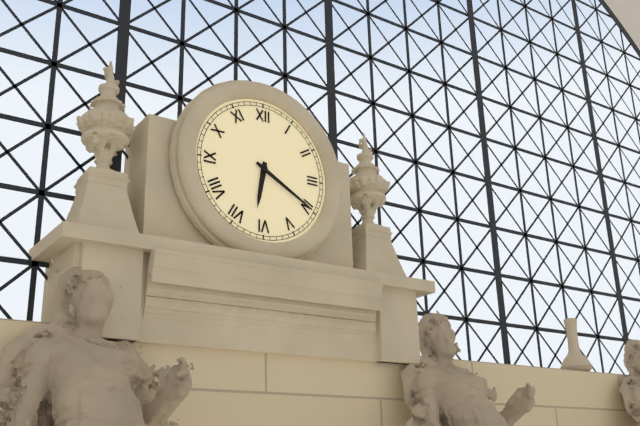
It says 6.20
